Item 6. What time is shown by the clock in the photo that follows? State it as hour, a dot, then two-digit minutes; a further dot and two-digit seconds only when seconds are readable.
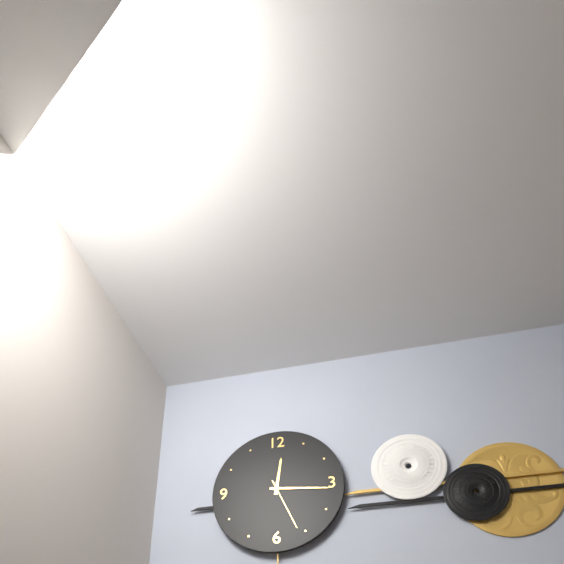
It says 12.16.26
